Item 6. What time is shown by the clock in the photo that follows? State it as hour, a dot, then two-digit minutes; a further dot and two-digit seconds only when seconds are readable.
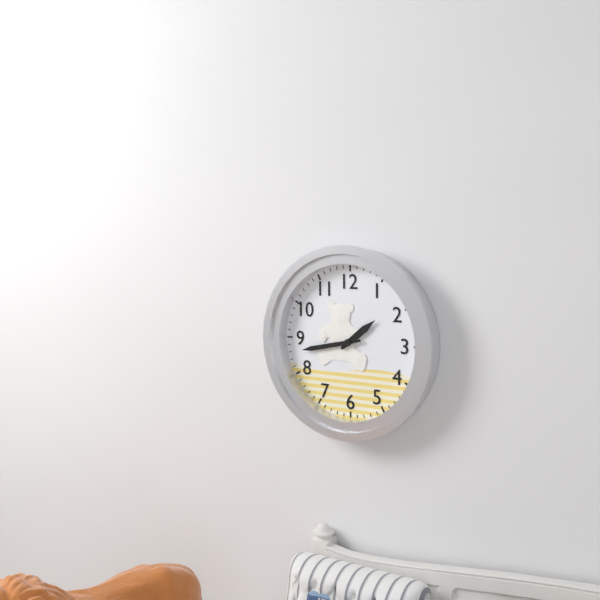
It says 1.43
